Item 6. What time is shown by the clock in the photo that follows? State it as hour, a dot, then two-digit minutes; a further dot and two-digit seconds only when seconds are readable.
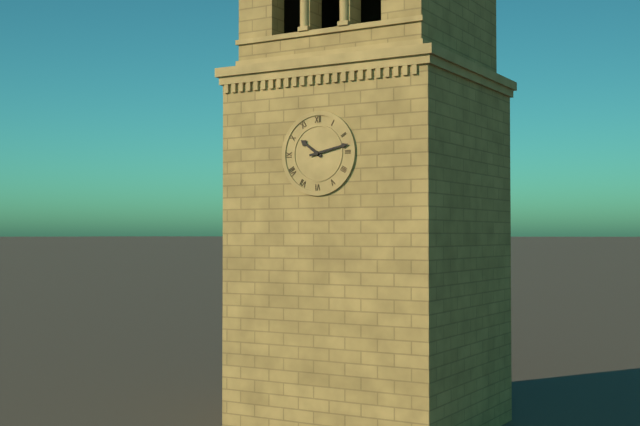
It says 10.13
